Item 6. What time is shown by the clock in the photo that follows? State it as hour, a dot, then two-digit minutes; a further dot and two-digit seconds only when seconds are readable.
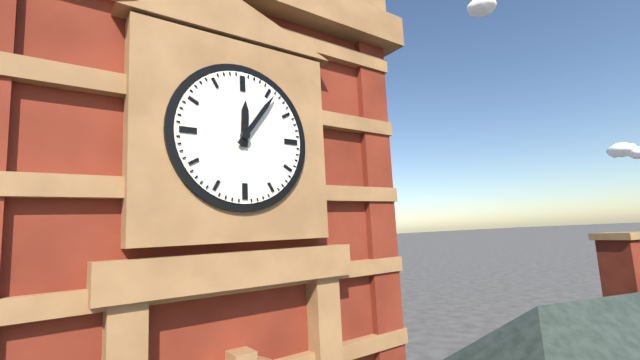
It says 12.06
